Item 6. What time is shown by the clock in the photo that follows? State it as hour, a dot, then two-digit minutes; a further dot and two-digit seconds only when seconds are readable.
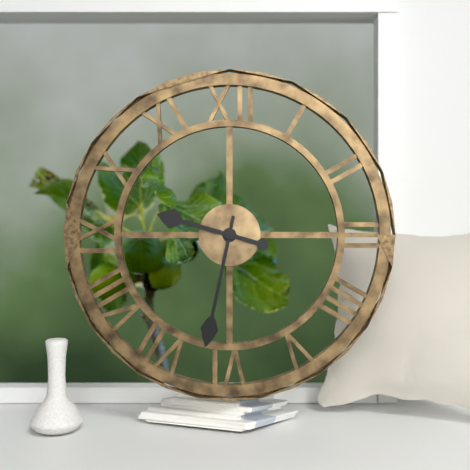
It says 9.32
